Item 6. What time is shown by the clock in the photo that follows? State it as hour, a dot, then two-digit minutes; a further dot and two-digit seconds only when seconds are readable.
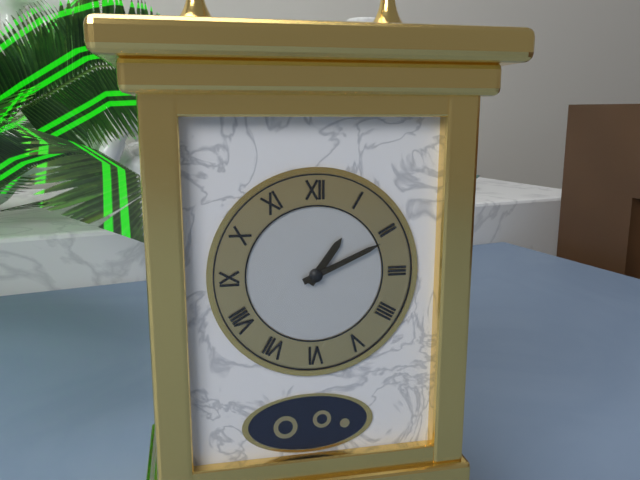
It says 1.11
